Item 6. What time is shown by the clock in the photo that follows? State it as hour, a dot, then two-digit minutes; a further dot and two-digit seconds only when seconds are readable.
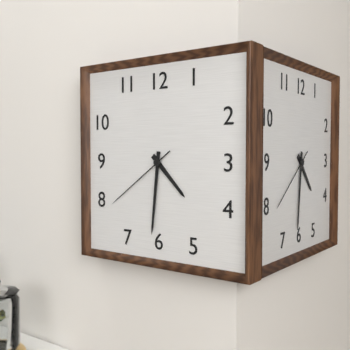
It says 4.31.39
